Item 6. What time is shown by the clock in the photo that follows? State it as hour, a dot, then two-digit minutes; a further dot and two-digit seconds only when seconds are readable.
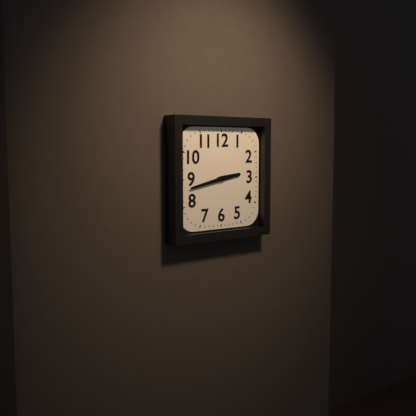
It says 2.43
